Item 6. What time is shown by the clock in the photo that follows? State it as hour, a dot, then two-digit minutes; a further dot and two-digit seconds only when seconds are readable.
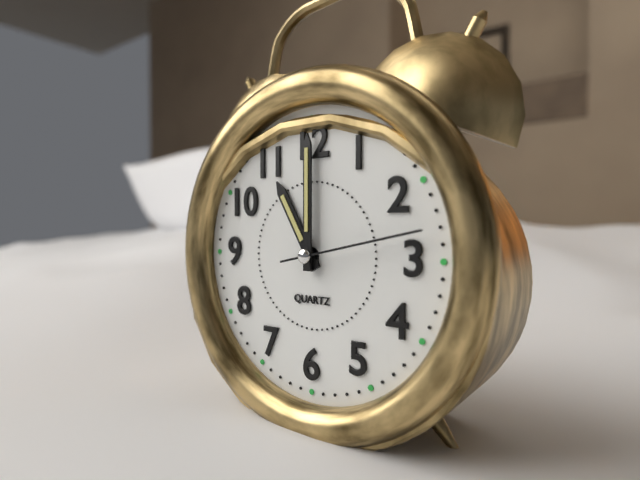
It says 11.00.13
